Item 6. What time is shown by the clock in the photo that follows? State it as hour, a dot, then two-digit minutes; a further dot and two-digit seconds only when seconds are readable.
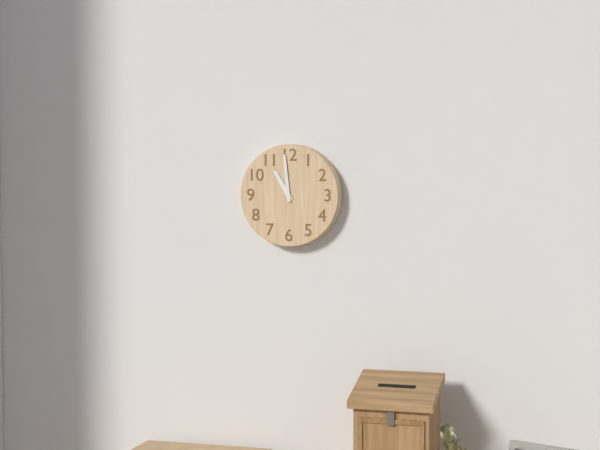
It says 10.59
